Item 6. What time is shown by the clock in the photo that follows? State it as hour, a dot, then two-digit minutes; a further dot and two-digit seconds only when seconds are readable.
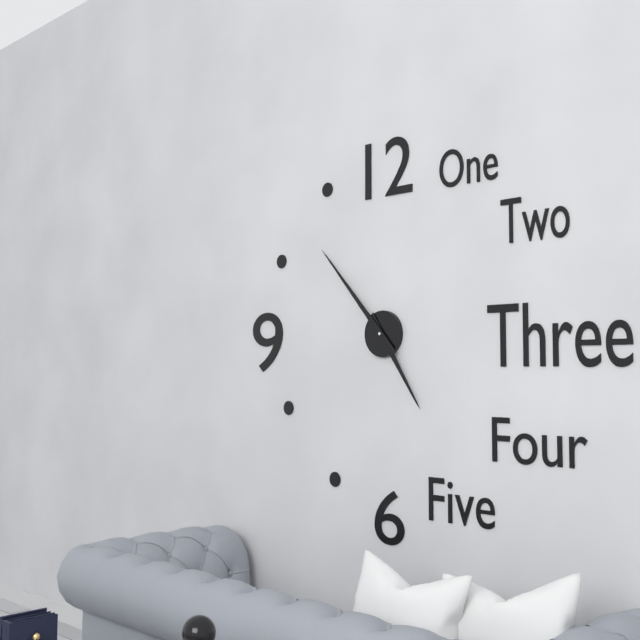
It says 4.53
